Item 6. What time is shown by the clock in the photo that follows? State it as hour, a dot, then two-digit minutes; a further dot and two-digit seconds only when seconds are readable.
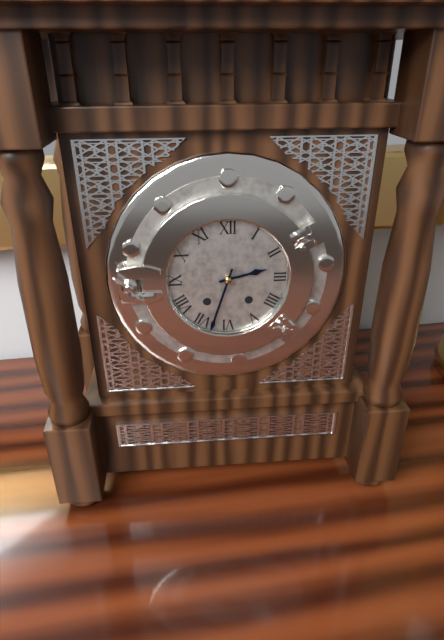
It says 2.33
